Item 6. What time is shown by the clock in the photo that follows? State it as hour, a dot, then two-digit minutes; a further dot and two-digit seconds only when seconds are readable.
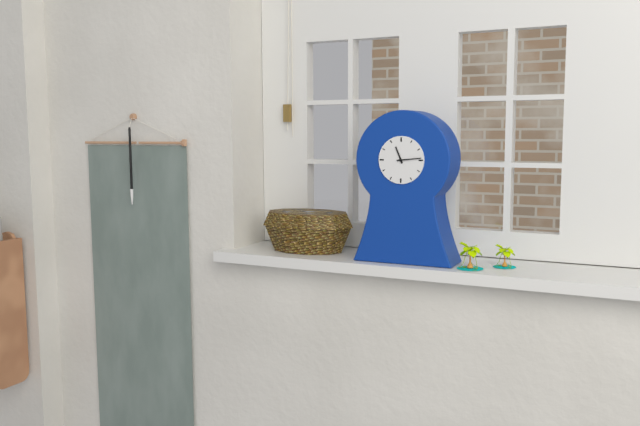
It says 11.14
